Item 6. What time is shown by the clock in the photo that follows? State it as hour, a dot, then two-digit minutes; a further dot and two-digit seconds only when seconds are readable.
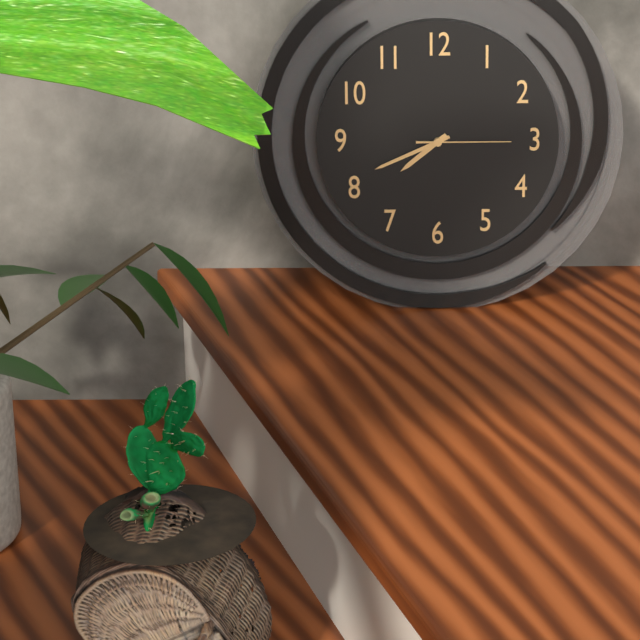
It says 7.41.15
